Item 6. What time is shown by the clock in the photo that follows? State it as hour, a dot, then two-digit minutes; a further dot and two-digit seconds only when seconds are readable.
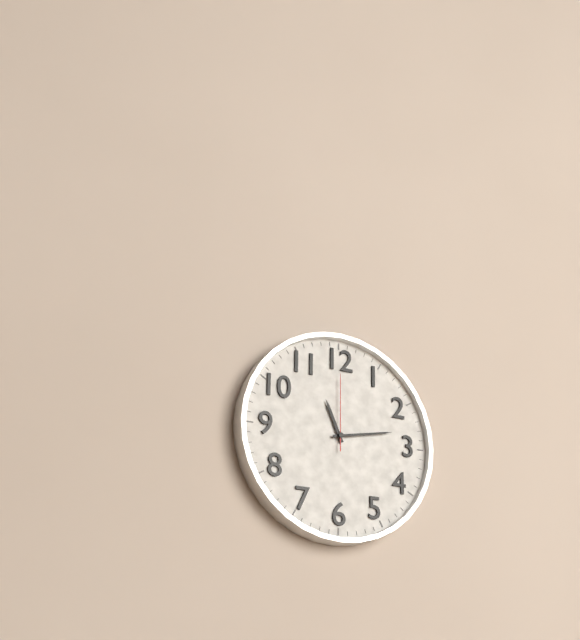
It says 11.13.00
